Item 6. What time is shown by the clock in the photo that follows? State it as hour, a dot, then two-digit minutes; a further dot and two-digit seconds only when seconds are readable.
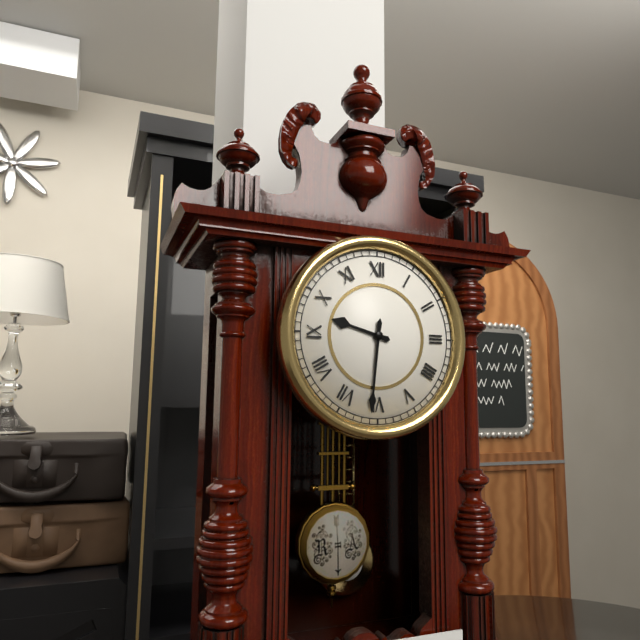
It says 9.31
